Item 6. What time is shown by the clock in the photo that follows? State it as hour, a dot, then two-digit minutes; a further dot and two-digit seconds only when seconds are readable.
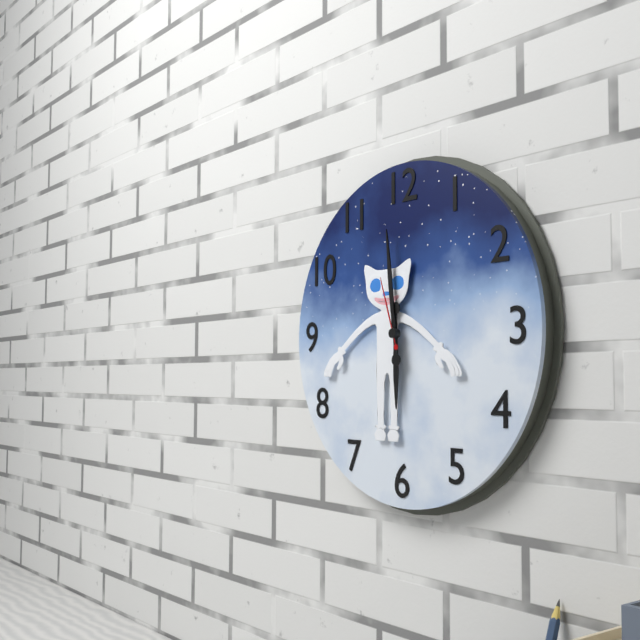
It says 5.59.57
